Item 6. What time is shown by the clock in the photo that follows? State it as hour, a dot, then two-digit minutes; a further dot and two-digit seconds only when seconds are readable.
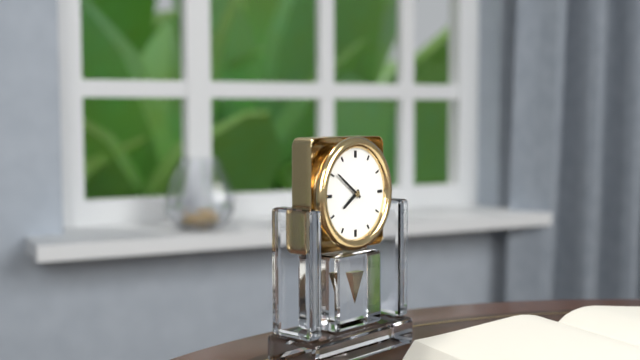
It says 7.51
